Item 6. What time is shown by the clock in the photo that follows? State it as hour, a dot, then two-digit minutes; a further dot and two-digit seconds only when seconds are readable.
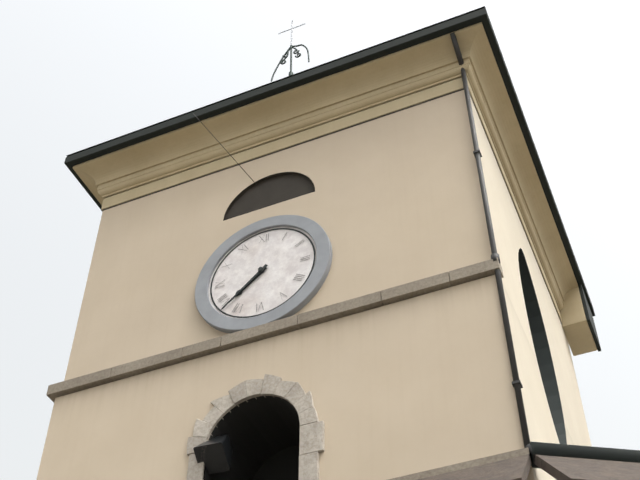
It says 7.38
